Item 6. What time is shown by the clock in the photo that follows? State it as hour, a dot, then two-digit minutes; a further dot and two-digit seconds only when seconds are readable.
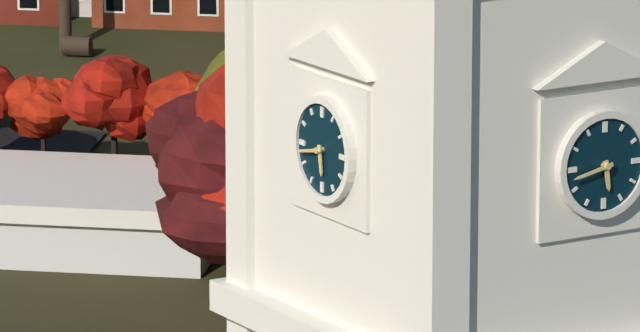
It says 5.43
